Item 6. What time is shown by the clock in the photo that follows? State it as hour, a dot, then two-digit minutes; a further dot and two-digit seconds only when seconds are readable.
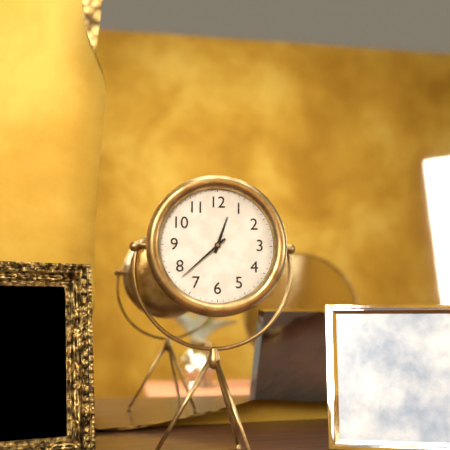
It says 12.38
